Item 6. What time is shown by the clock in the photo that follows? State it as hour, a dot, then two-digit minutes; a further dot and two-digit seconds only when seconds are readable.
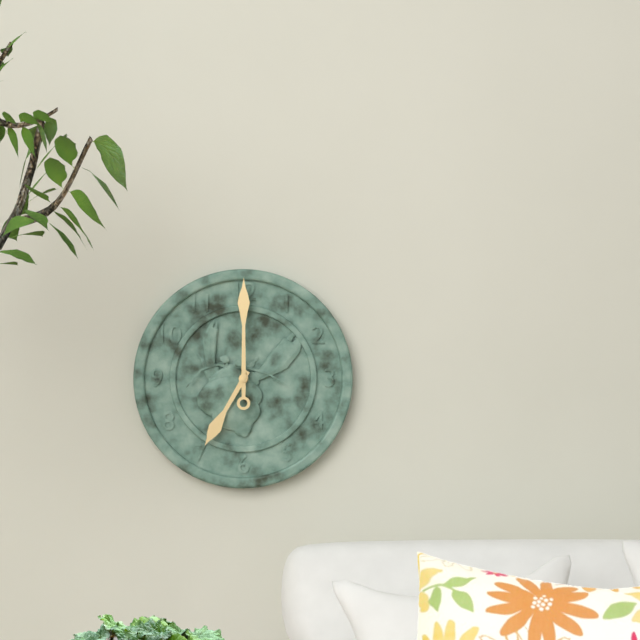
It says 7.00
